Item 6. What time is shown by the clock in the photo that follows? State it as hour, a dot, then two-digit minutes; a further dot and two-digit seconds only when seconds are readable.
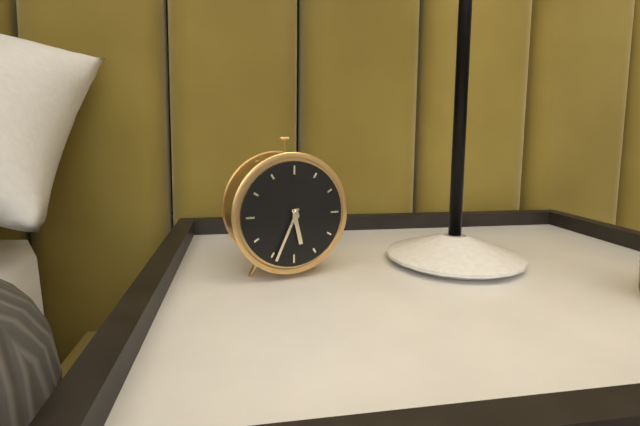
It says 5.34
